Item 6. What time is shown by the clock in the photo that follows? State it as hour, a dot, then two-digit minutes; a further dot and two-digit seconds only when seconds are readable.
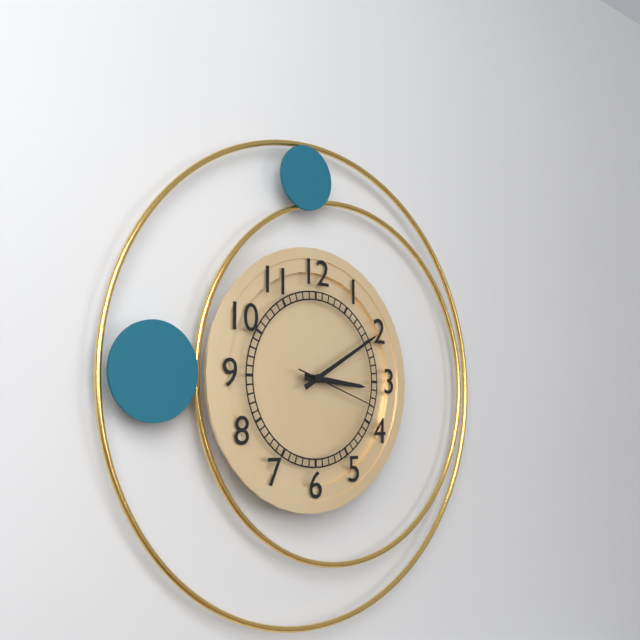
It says 3.10.18
